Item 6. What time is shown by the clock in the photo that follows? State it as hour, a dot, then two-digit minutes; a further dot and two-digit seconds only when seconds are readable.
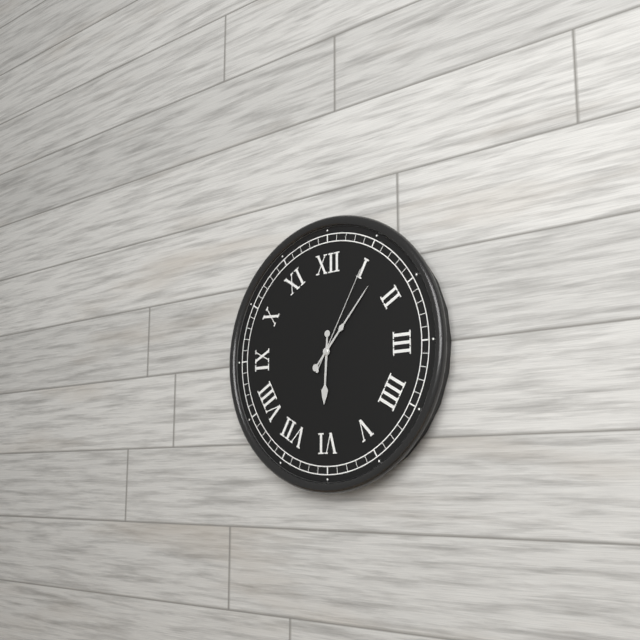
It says 6.07.05
